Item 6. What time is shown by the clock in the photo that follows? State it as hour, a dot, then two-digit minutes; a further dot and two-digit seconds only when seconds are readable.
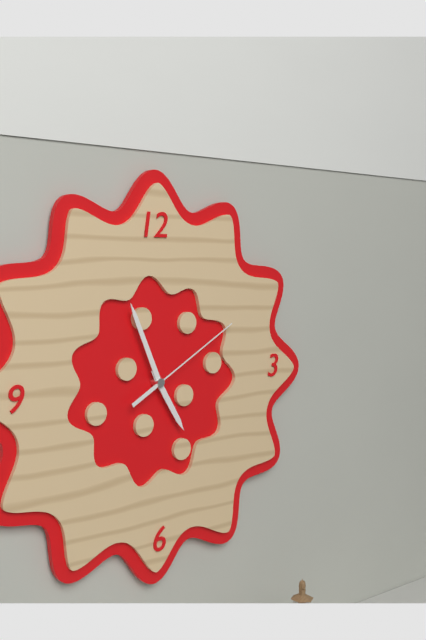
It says 4.56.10
